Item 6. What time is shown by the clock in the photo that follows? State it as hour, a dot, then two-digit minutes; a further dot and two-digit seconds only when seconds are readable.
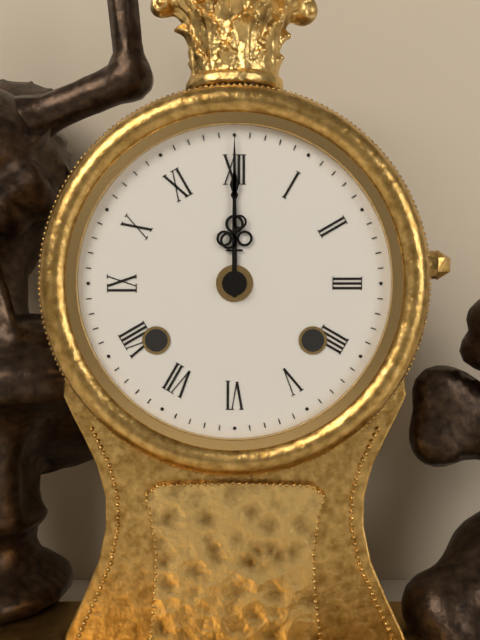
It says 12.00
